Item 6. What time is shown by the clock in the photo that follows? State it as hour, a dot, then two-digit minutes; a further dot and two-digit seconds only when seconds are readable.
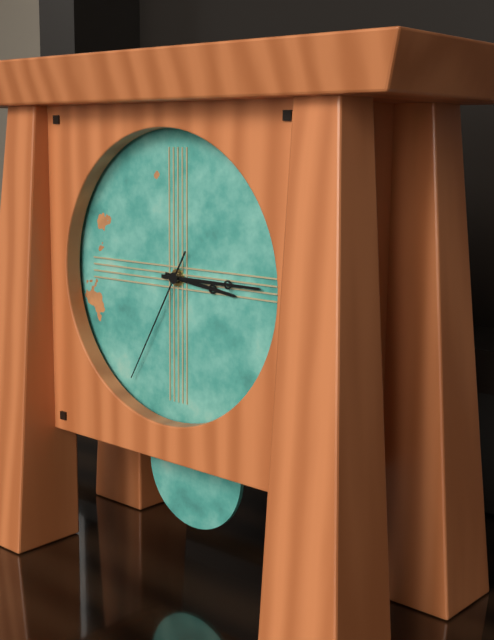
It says 3.15.35
